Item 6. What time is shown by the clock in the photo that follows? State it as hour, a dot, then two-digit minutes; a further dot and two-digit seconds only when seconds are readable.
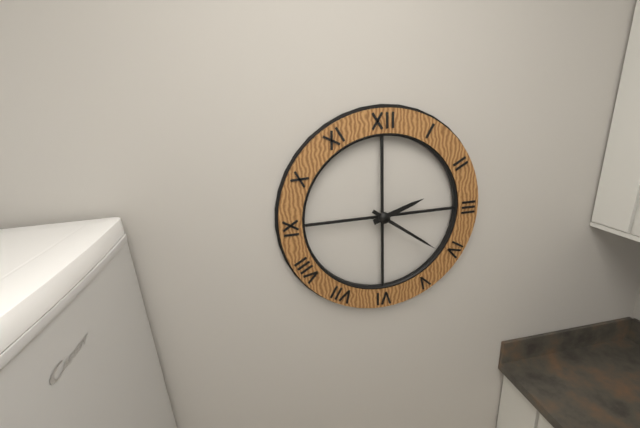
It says 2.21
